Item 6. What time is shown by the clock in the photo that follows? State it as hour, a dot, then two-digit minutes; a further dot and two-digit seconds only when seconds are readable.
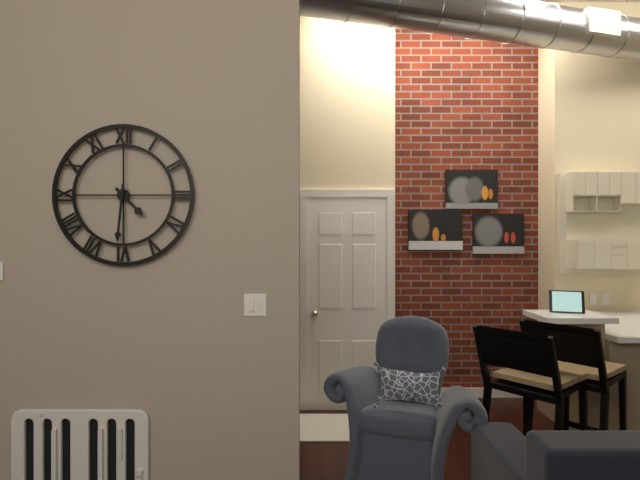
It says 4.31
